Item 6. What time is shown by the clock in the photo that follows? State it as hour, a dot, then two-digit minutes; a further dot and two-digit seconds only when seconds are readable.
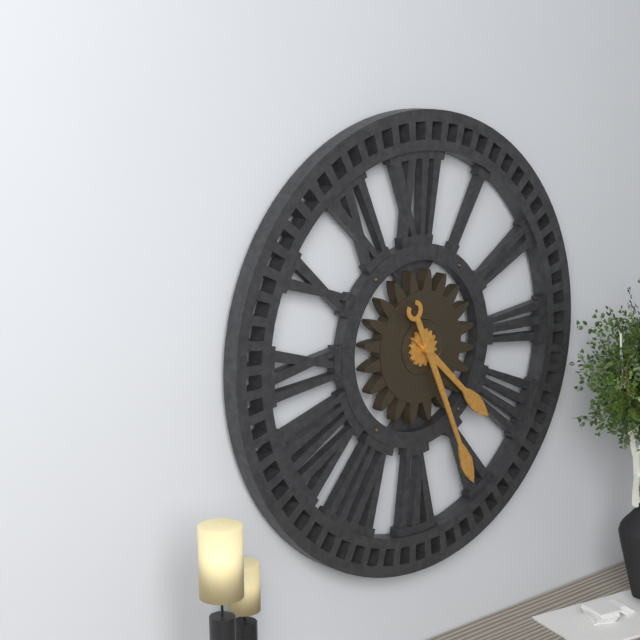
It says 4.26
